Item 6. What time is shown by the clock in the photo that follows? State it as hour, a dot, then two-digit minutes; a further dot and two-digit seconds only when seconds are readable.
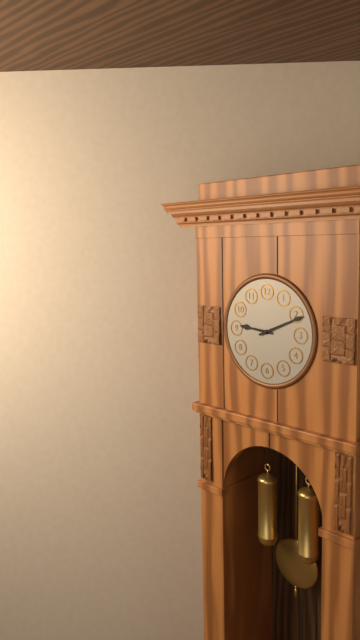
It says 9.11
